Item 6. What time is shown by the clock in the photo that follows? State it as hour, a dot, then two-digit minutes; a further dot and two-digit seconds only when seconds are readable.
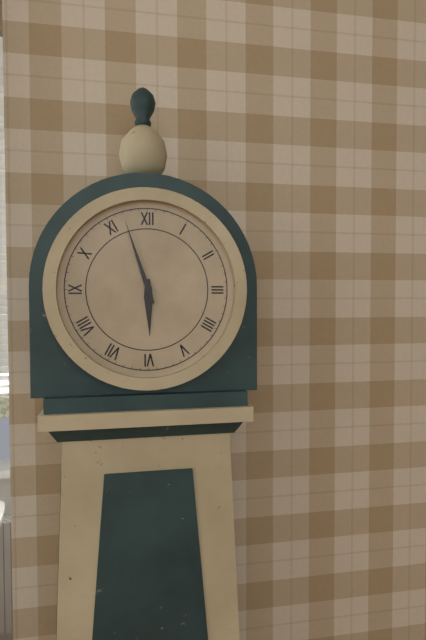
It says 5.57
